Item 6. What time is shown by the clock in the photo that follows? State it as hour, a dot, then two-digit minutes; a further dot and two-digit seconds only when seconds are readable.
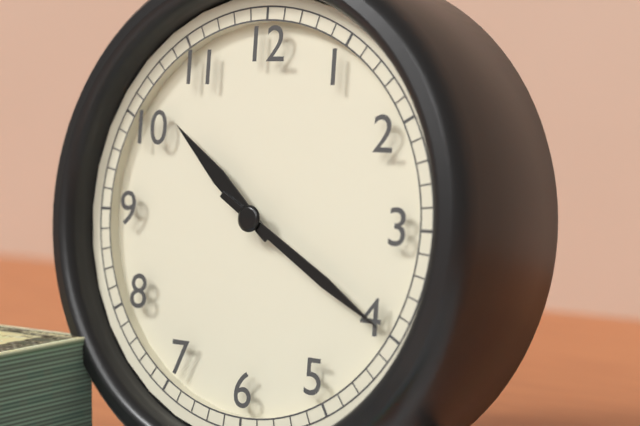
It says 10.20
